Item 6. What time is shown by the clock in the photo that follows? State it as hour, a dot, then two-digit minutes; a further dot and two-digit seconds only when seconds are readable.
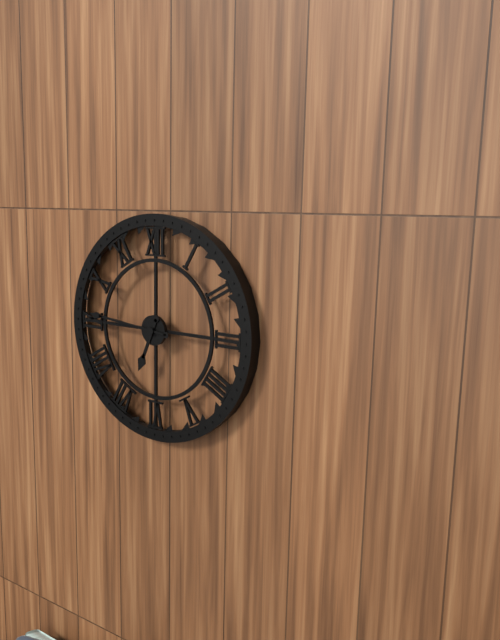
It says 6.46
